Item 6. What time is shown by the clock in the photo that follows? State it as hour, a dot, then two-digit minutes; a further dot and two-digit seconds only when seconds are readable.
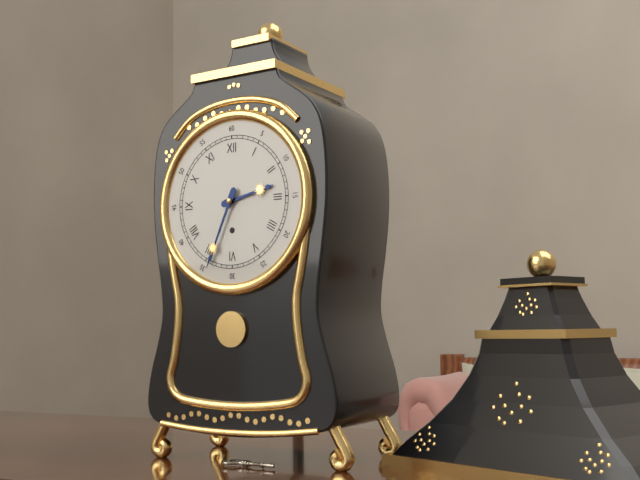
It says 2.34
